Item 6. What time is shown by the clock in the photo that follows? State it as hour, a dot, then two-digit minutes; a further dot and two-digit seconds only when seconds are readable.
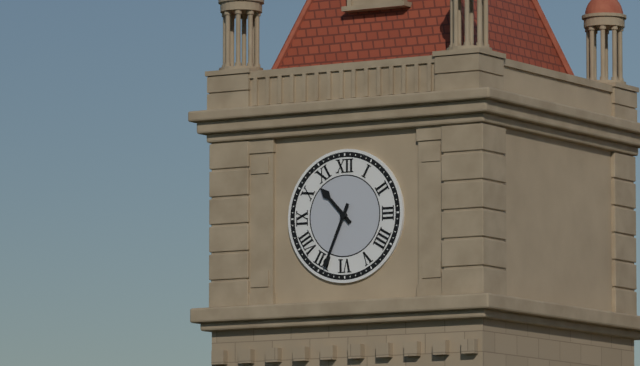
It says 10.34
